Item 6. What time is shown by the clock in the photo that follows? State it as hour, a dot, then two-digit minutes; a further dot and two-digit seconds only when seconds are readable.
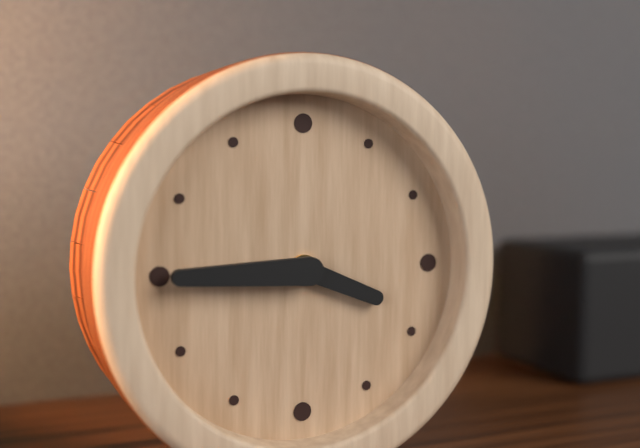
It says 3.45
